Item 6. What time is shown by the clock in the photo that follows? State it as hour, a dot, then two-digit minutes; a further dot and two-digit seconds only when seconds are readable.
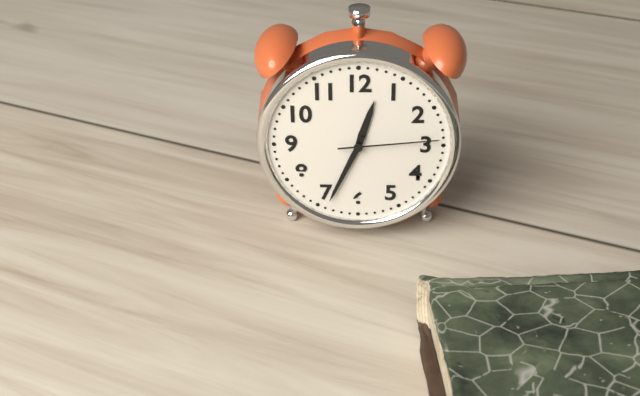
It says 12.34.14
